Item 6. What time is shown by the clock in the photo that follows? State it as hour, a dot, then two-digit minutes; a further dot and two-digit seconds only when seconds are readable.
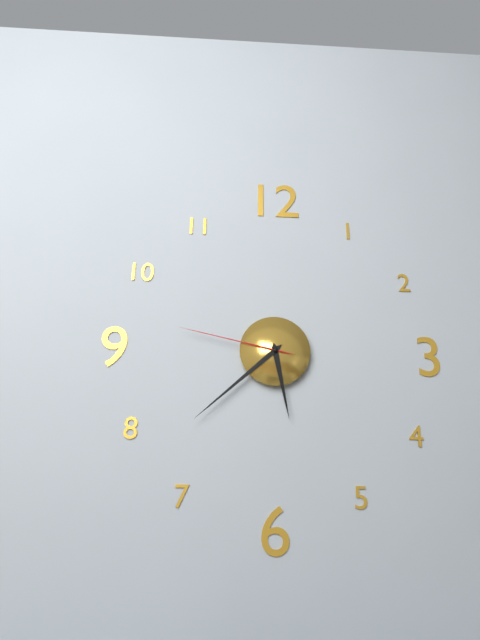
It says 5.38.47
